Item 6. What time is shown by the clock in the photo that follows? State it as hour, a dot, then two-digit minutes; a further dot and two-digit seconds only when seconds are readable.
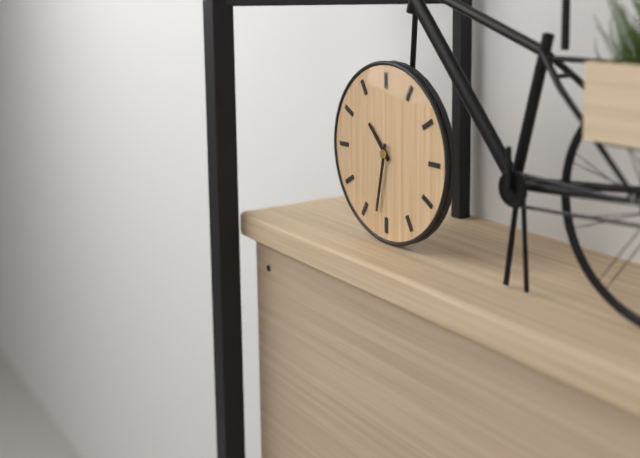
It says 10.32
